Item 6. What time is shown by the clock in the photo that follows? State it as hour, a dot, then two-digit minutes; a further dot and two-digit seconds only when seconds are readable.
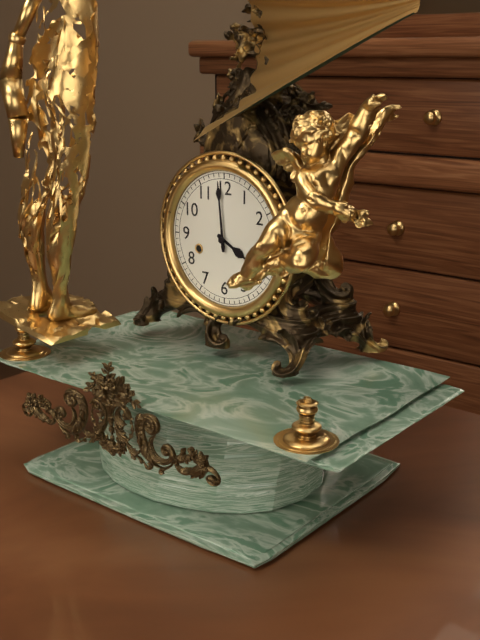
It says 3.59
